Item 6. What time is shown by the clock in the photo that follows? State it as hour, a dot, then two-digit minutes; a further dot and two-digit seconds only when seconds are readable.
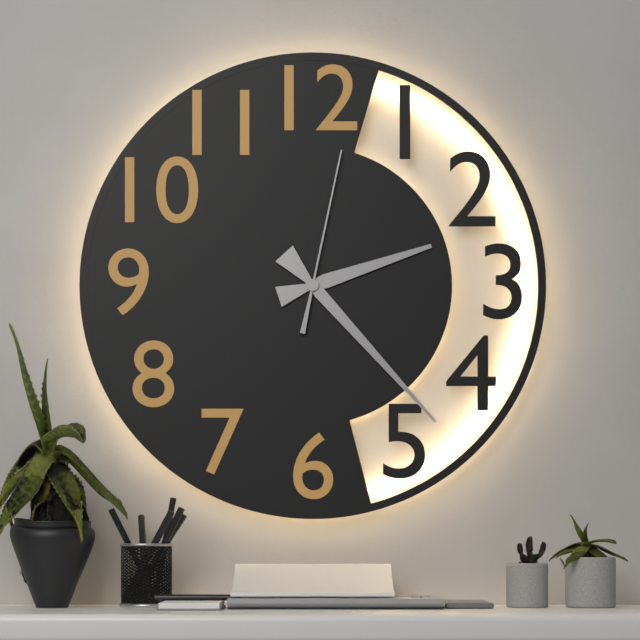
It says 2.23.02
